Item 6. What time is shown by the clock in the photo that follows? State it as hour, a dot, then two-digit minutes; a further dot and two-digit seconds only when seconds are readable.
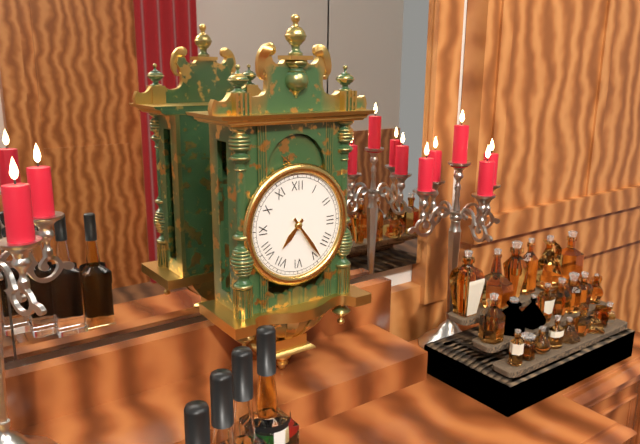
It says 7.24
